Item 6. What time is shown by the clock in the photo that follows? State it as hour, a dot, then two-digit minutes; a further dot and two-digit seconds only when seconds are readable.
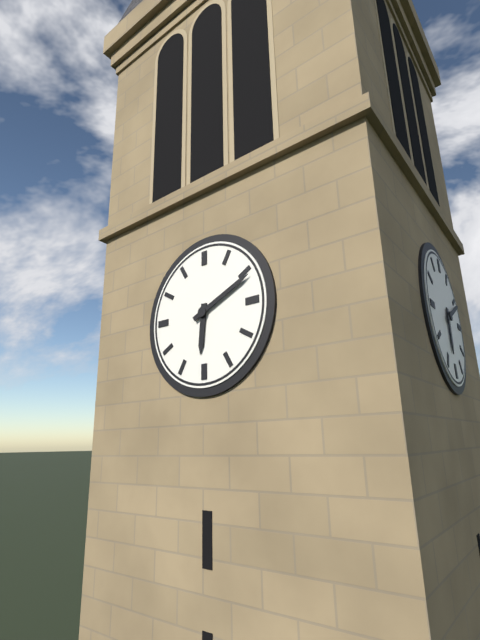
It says 6.11
